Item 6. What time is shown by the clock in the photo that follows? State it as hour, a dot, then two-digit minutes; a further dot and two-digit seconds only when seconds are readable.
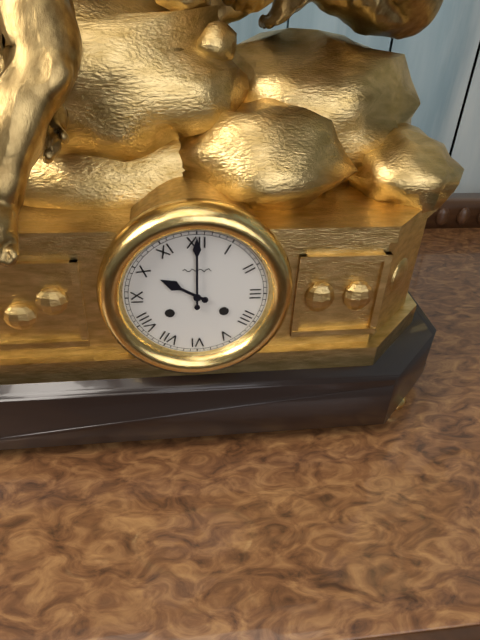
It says 10.00
